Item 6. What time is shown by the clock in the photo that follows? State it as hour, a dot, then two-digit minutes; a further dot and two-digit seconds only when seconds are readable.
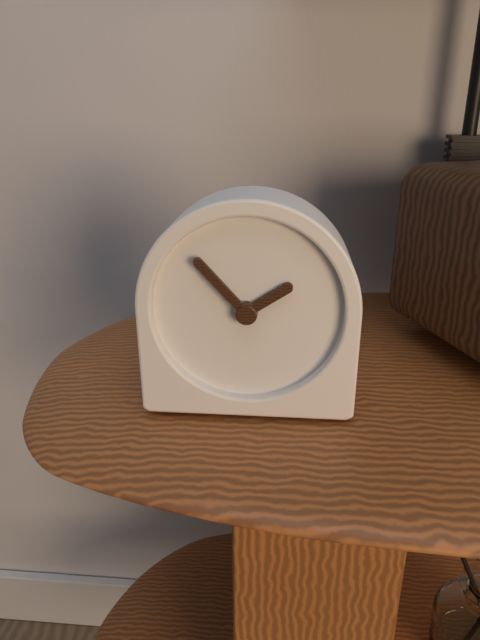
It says 1.53
